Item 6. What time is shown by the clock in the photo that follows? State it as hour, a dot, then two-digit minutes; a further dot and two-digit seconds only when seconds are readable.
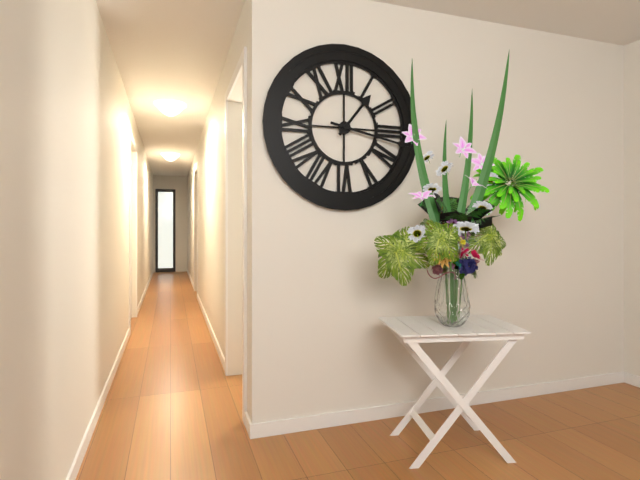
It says 1.17
